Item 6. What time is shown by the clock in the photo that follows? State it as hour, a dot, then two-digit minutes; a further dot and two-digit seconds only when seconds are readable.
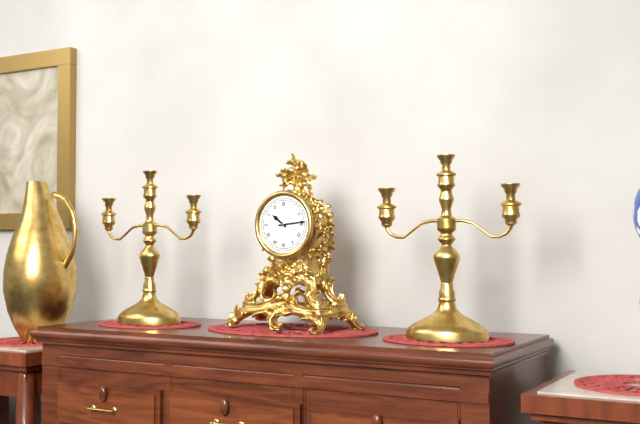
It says 10.14
